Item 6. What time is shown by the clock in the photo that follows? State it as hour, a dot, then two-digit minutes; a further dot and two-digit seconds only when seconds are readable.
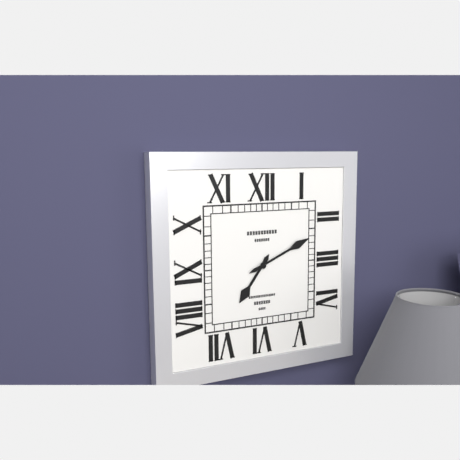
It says 7.11
